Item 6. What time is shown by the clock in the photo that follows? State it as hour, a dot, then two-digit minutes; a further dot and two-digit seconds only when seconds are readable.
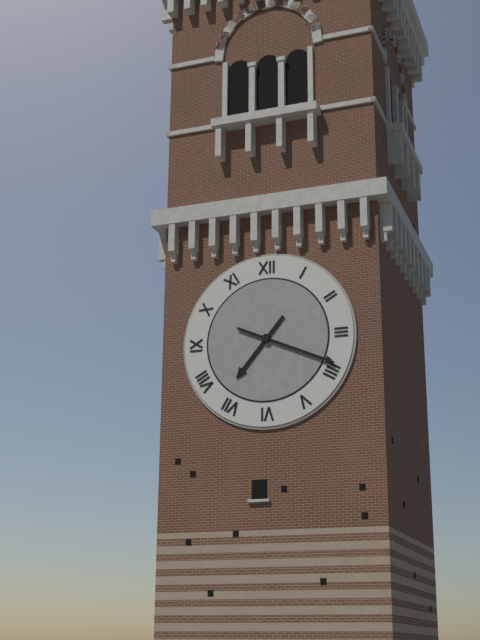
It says 7.19
